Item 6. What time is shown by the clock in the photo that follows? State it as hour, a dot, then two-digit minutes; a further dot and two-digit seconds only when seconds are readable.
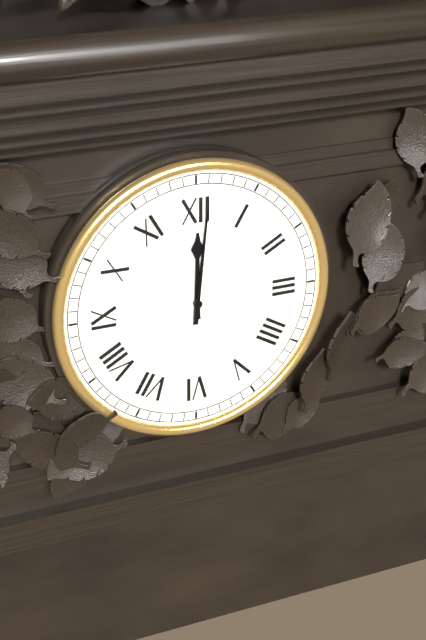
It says 12.01
